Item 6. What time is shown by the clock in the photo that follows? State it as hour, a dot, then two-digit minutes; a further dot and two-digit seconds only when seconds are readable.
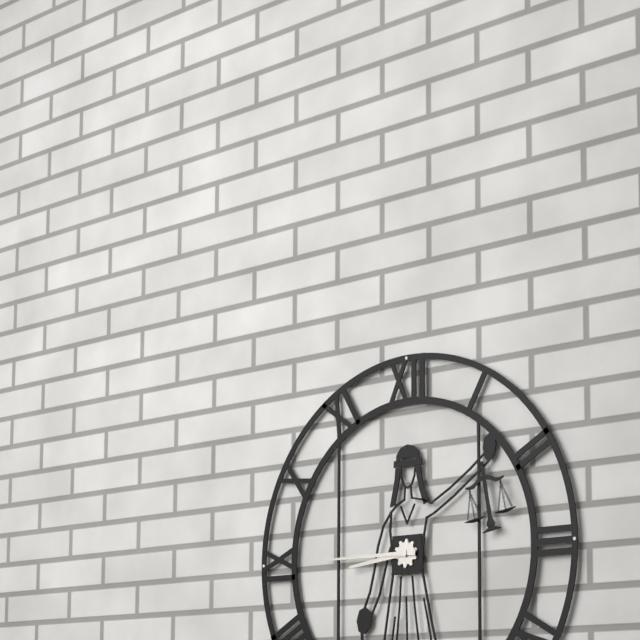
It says 8.45
